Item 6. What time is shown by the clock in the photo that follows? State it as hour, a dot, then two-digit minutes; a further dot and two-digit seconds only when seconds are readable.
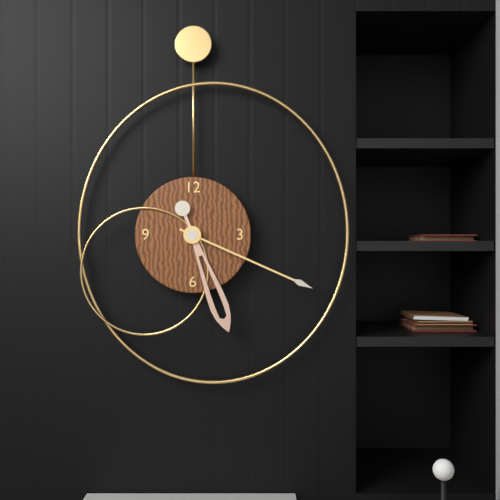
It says 5.19
